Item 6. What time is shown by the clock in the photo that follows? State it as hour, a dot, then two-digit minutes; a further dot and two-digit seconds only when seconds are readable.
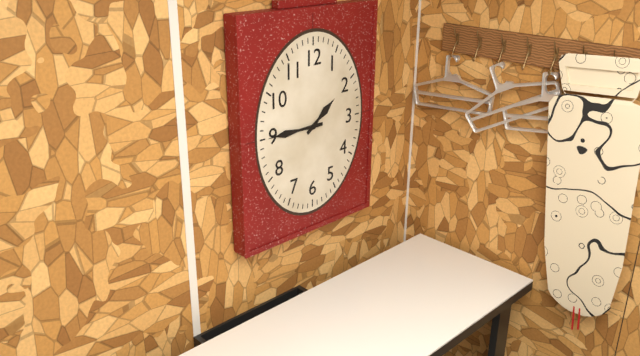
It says 1.45
